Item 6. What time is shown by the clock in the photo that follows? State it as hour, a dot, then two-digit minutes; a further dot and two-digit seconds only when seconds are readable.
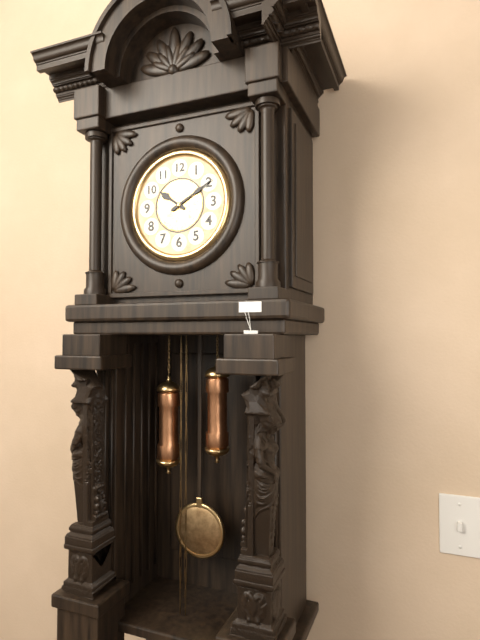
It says 10.10
